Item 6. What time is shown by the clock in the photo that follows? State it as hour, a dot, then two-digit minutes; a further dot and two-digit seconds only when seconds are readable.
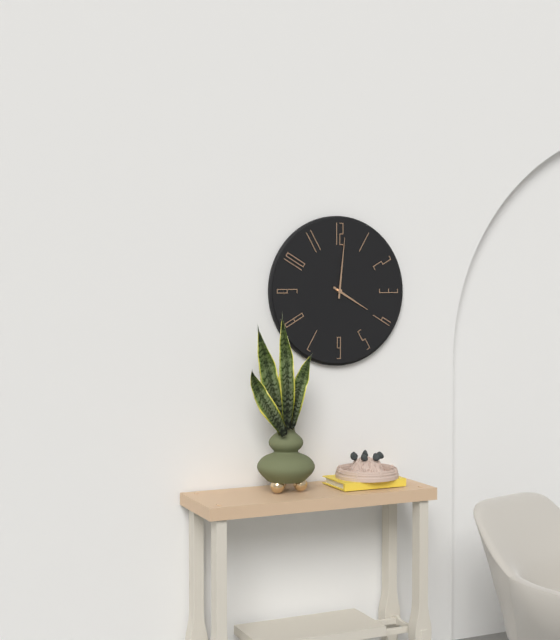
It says 4.01
